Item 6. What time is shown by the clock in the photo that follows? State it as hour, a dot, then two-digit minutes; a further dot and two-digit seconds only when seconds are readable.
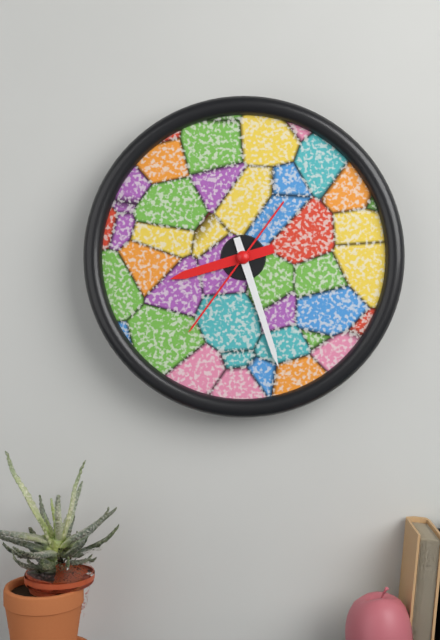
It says 8.27.36
